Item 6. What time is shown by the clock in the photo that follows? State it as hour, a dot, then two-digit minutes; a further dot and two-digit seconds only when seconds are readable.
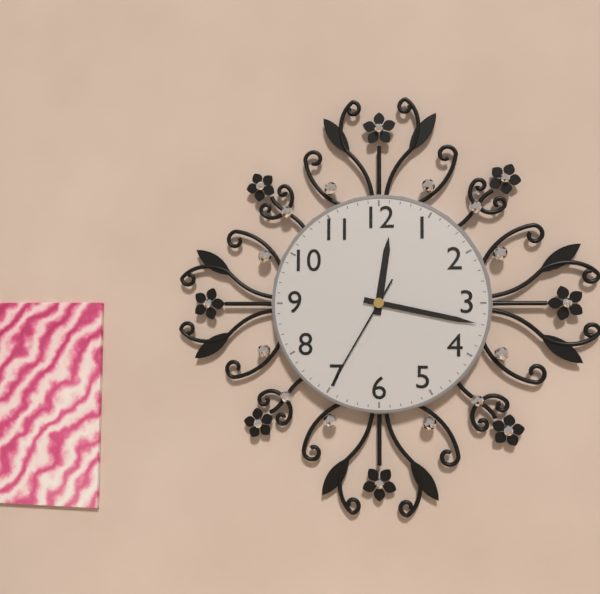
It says 12.17.35
